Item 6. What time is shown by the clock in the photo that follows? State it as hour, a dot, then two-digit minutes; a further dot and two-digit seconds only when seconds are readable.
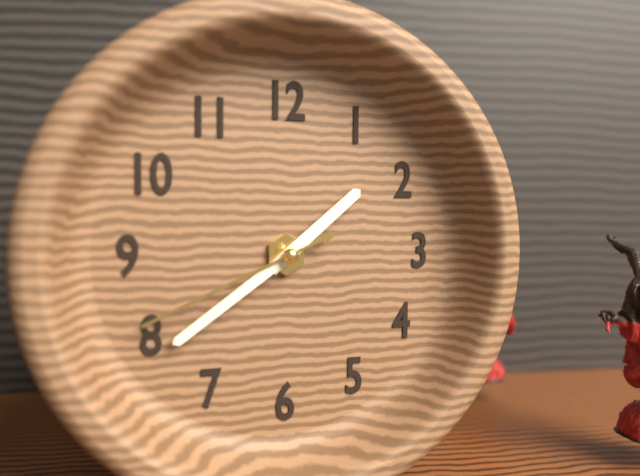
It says 1.39.41
